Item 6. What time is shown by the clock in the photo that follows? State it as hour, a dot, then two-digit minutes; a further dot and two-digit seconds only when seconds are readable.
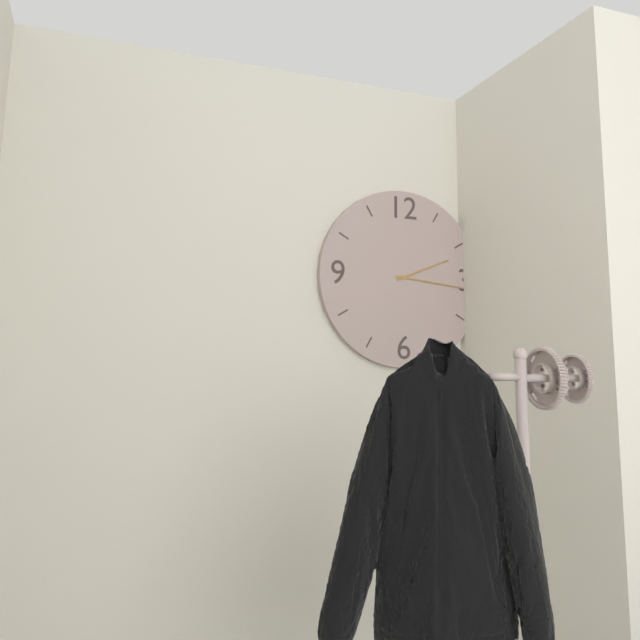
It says 2.16
